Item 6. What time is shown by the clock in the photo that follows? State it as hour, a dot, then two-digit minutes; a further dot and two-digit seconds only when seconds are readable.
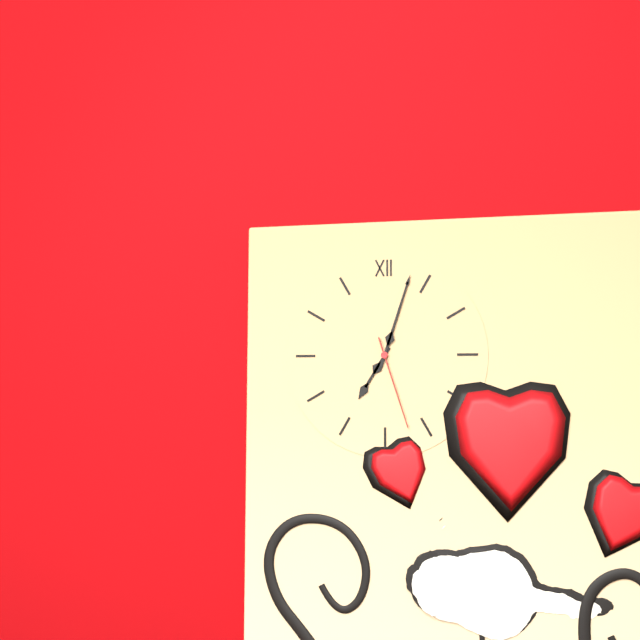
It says 7.03.27
